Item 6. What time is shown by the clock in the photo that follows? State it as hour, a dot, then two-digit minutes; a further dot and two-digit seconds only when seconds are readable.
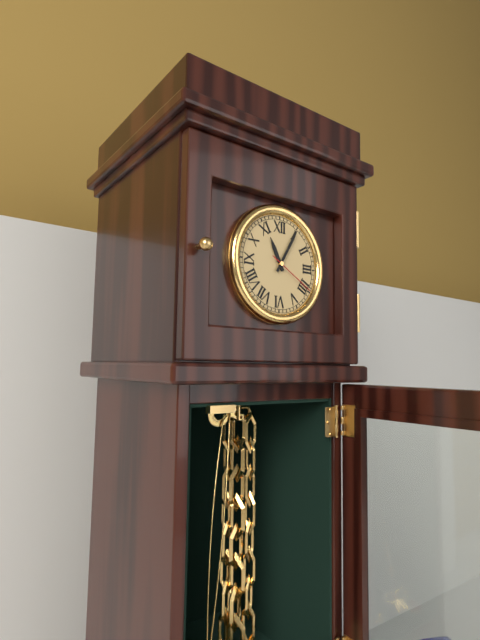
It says 11.05.20
